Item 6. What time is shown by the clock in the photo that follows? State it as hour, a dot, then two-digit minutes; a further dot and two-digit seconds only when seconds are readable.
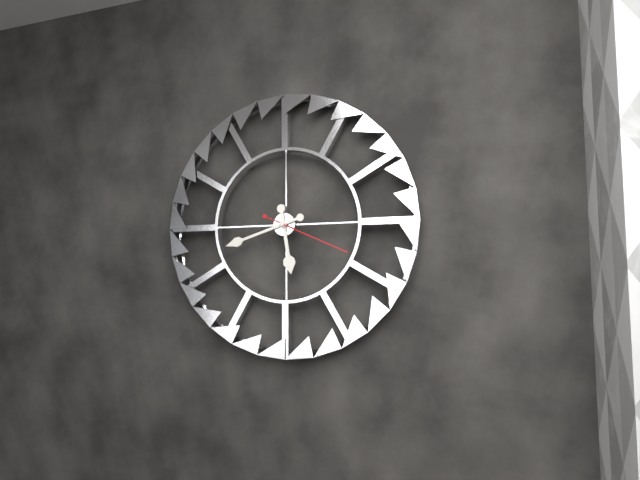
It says 5.42.19
